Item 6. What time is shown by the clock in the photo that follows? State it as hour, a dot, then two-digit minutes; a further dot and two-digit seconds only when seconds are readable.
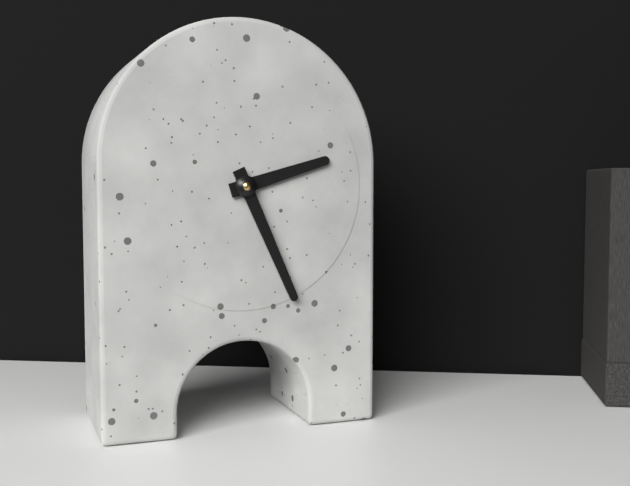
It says 2.26
